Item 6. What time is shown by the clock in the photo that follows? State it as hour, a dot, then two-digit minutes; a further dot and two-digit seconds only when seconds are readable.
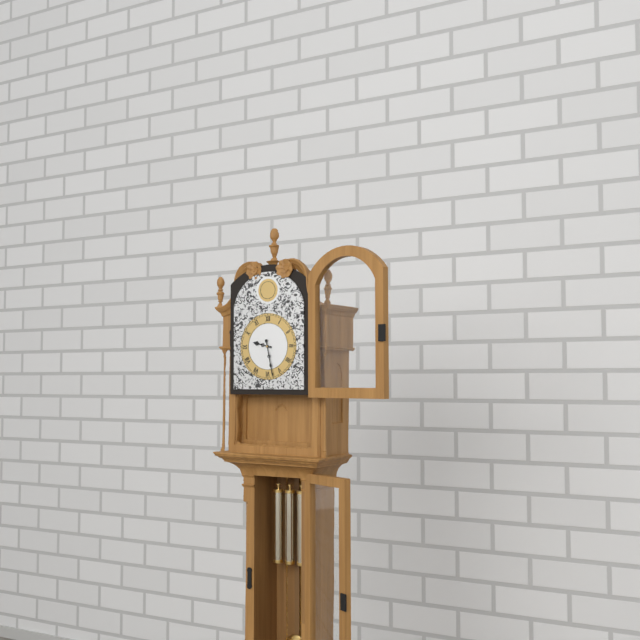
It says 9.28
